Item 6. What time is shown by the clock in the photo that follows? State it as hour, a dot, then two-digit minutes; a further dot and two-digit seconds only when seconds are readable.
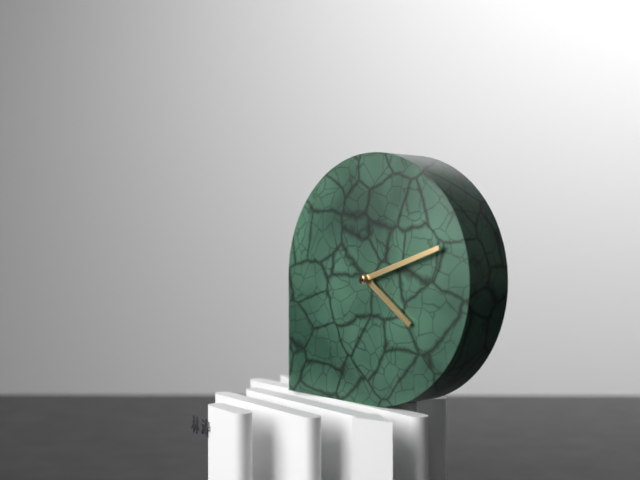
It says 4.12
